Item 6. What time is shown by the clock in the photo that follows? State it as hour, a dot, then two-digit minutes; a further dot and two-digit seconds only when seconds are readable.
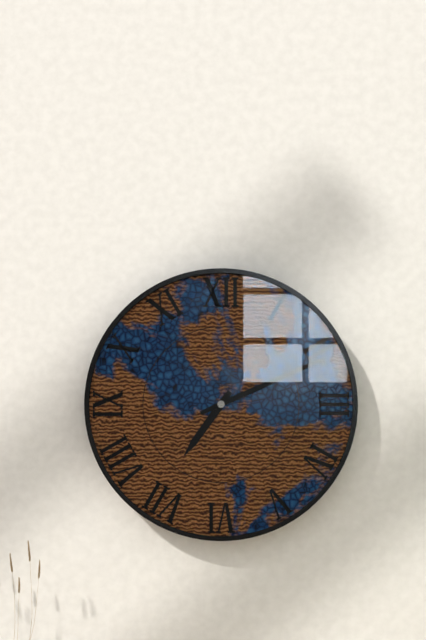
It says 7.11
